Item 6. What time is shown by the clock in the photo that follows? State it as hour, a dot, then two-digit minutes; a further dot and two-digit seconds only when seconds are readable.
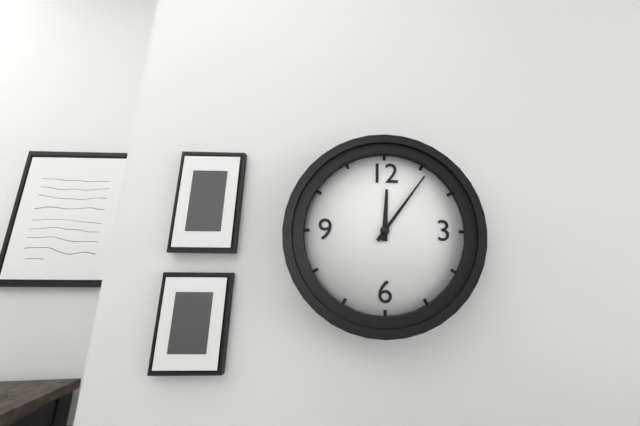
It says 12.06
